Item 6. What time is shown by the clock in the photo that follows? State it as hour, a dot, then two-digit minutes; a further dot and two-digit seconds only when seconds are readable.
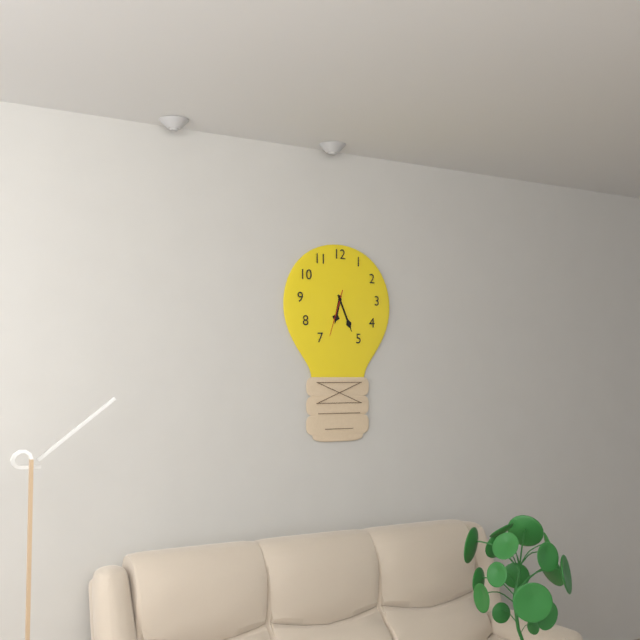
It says 6.26
